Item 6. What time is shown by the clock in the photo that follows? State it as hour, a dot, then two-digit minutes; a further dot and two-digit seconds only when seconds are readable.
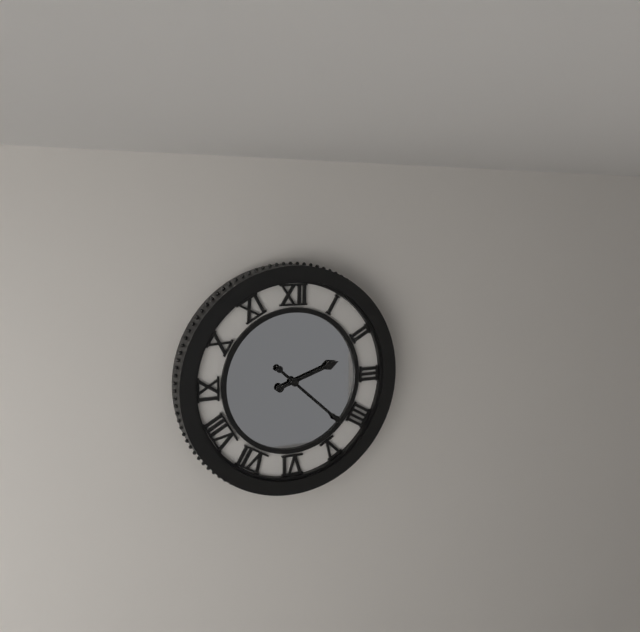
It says 2.22
